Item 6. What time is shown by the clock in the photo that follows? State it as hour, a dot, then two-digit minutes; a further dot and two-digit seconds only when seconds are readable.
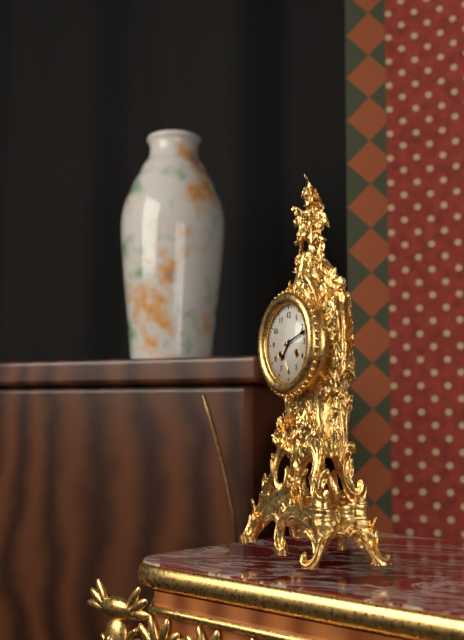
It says 7.12
